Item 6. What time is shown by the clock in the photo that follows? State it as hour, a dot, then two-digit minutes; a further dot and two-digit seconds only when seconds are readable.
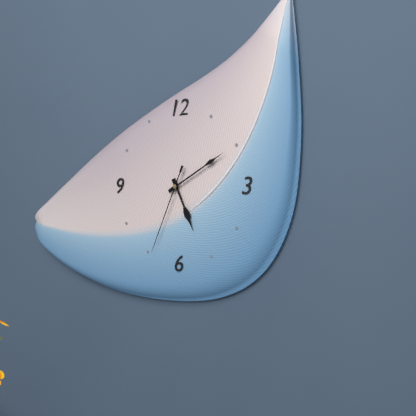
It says 5.10.34
